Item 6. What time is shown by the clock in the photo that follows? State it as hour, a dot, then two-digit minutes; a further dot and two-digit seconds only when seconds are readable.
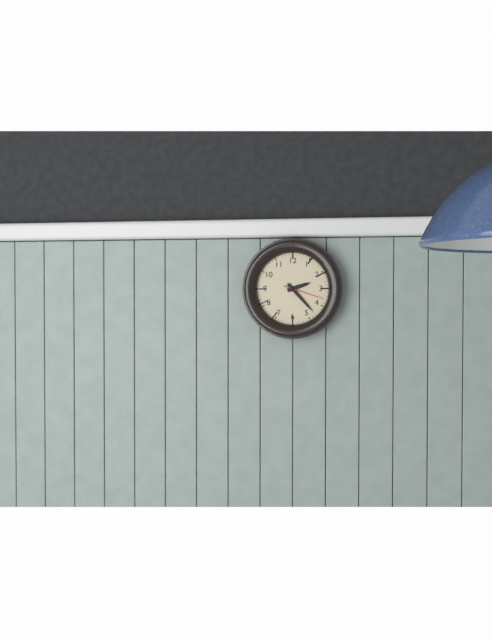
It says 2.23
